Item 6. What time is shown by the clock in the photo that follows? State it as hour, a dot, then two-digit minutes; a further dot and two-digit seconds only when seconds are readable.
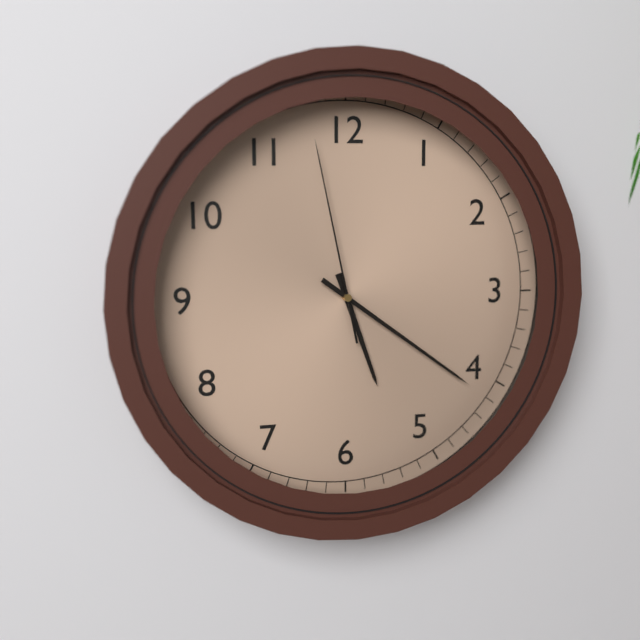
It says 5.21.58
